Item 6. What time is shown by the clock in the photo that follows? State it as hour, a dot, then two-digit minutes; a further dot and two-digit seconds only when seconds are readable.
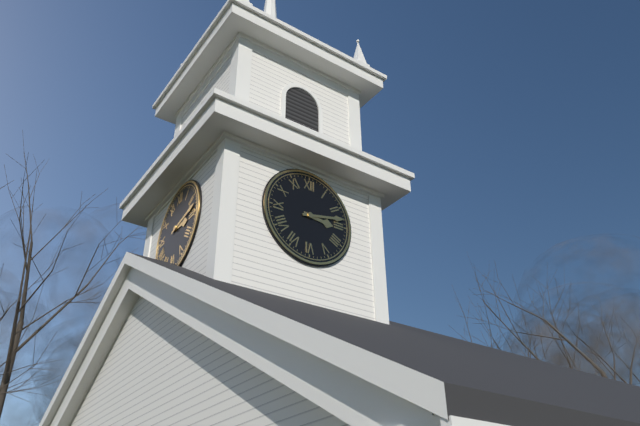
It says 3.13
